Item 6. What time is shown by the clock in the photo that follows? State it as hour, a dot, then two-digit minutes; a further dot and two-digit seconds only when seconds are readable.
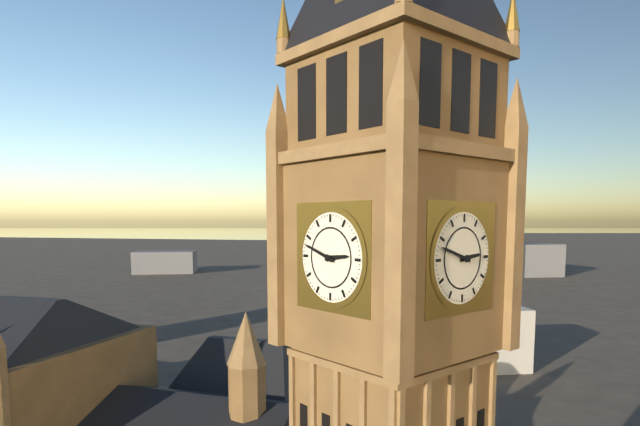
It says 2.48
